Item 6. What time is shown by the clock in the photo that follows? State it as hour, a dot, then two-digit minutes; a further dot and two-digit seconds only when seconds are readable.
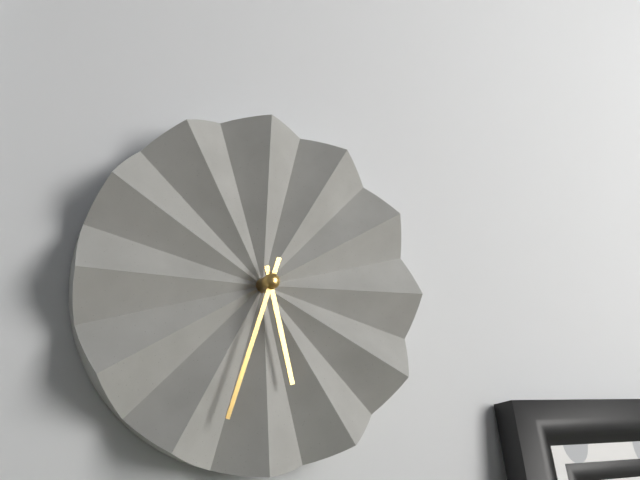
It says 5.33
